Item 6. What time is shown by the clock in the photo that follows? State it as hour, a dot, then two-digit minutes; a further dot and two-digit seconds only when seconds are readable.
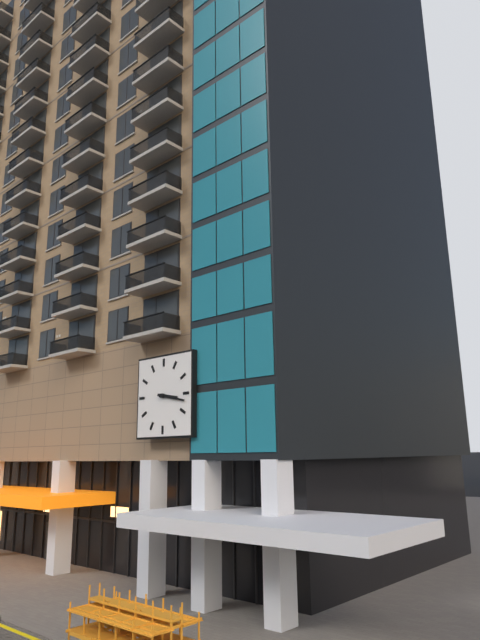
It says 3.17
